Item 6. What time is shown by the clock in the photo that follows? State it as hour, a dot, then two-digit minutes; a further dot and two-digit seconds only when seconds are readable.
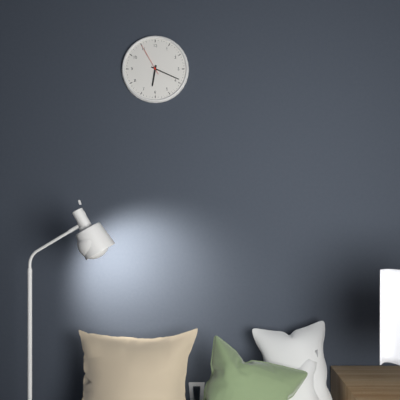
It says 6.19
